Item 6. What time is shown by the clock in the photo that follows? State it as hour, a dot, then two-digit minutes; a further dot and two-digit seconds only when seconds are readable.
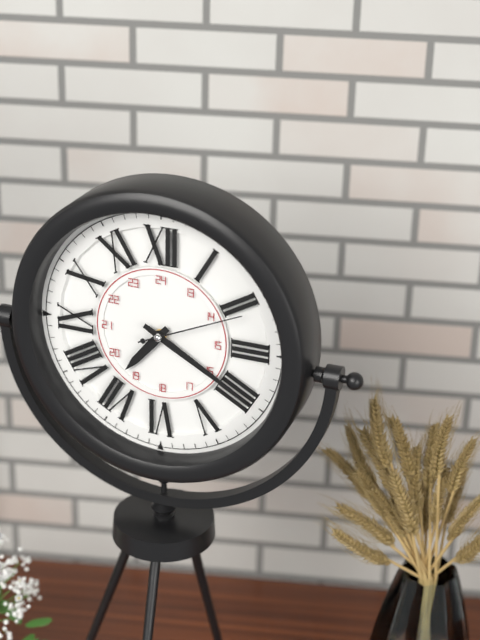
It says 7.20.11
